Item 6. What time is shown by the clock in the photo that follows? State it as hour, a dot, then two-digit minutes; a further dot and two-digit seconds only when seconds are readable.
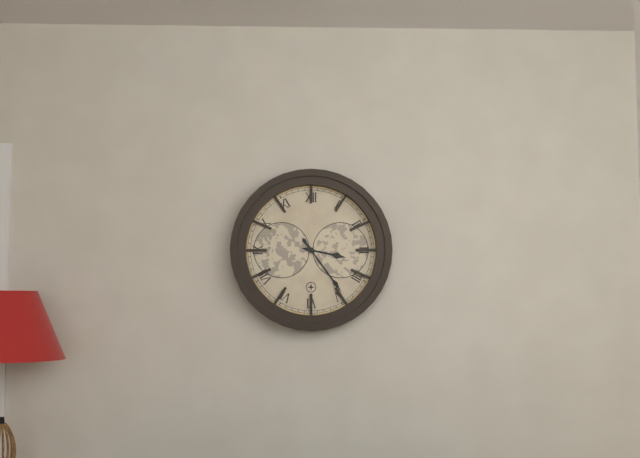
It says 3.24
